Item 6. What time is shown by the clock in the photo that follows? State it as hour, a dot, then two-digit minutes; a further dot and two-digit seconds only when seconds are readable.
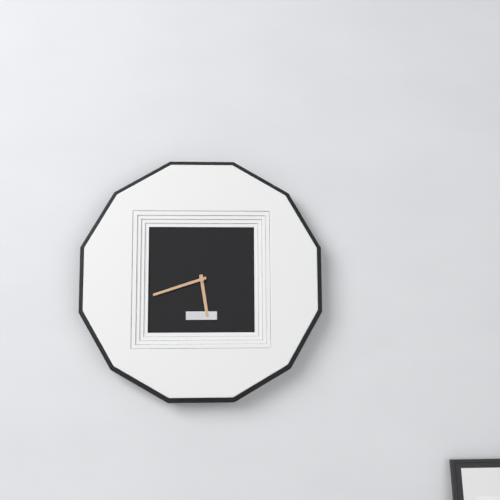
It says 5.42
